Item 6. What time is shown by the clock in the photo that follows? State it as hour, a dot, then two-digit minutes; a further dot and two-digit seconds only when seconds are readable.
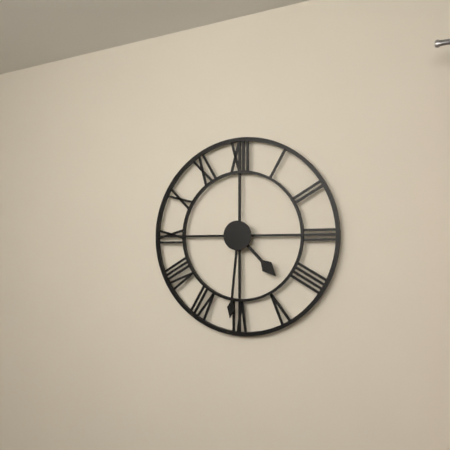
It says 4.31
